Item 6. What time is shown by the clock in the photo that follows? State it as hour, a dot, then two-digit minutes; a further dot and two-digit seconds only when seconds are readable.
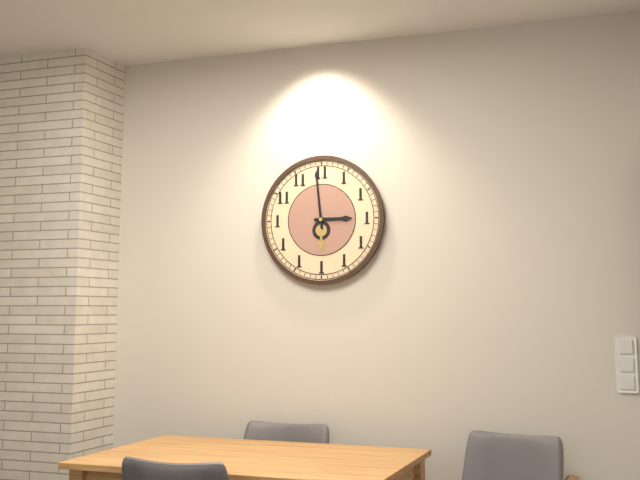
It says 2.59
